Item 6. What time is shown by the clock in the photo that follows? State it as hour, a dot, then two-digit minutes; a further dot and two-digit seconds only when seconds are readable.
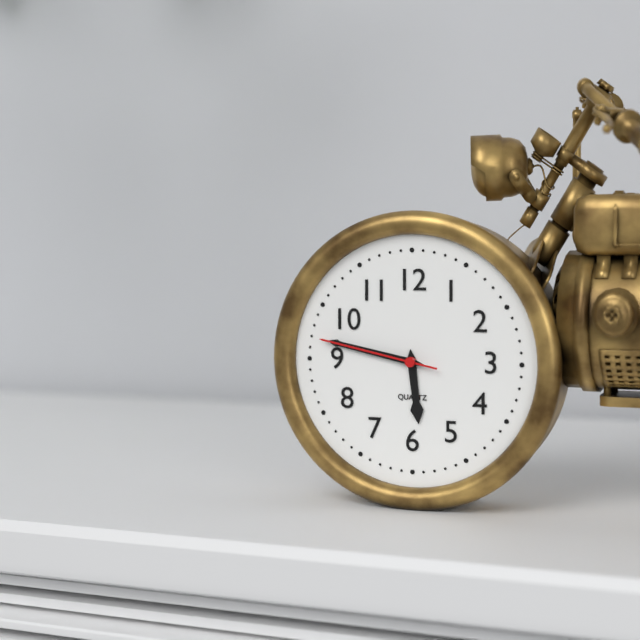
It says 5.47.47
